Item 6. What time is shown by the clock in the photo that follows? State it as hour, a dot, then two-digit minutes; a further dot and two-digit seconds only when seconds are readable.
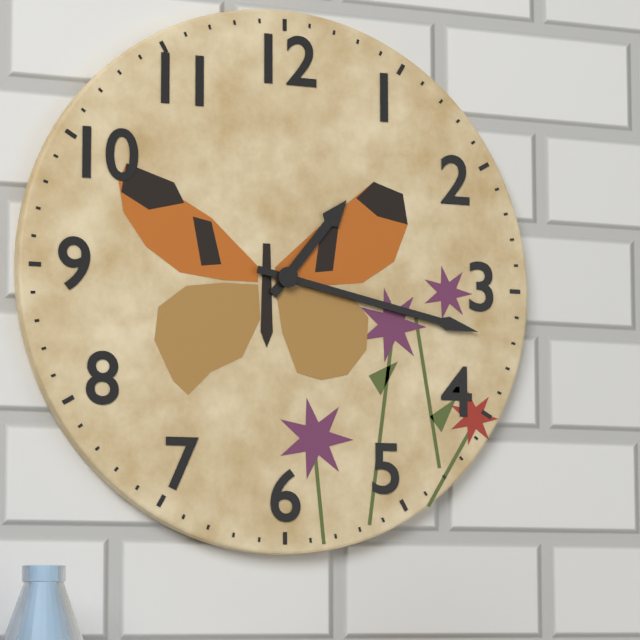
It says 1.17
